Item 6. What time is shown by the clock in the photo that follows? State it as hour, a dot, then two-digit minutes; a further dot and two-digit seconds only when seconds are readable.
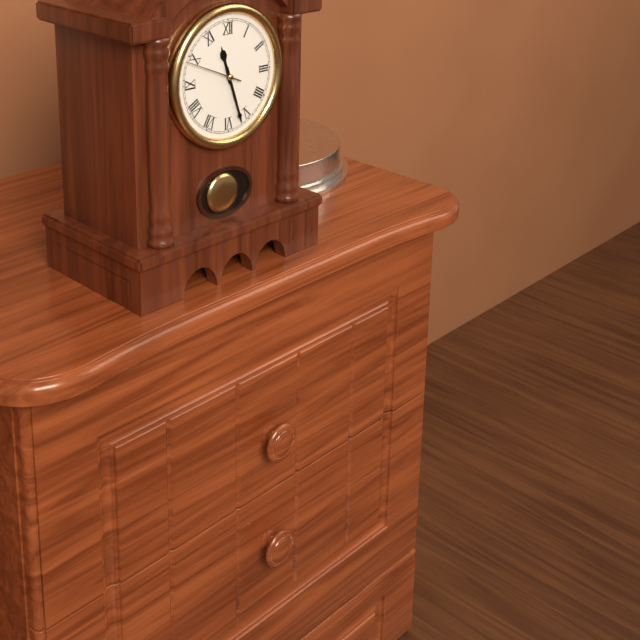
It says 11.27.49
